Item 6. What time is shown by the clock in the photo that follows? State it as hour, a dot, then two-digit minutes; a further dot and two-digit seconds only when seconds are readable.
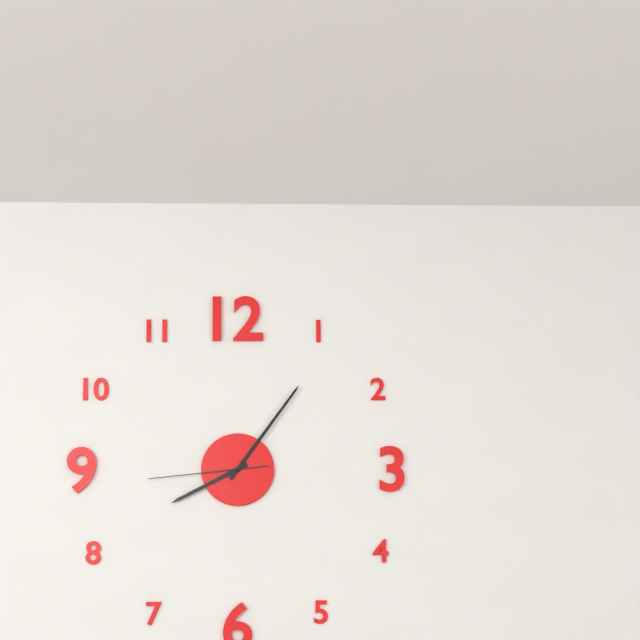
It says 8.06.44
